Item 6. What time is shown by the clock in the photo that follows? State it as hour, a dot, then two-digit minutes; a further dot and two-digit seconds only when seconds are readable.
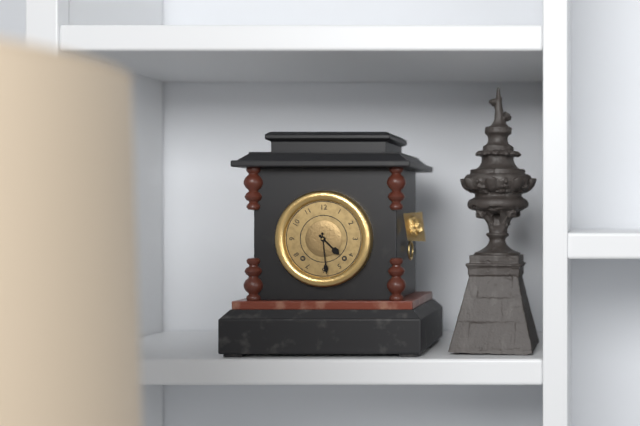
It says 4.29
